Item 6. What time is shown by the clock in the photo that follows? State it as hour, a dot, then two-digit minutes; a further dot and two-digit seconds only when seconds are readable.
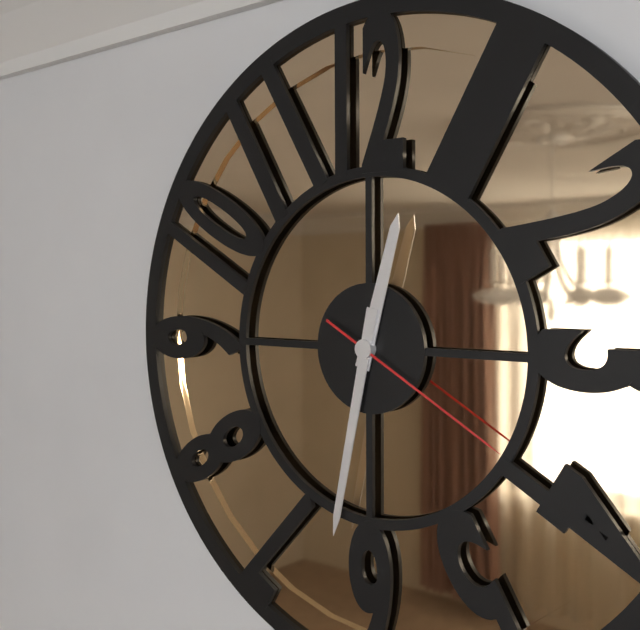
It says 12.32.20
